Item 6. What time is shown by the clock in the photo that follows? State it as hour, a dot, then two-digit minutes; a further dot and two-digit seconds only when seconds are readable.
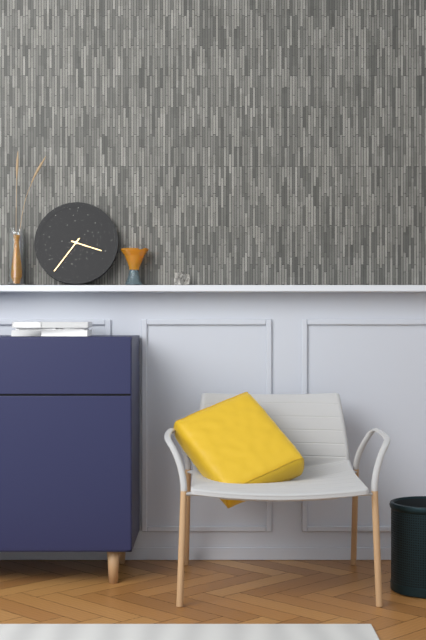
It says 3.36
